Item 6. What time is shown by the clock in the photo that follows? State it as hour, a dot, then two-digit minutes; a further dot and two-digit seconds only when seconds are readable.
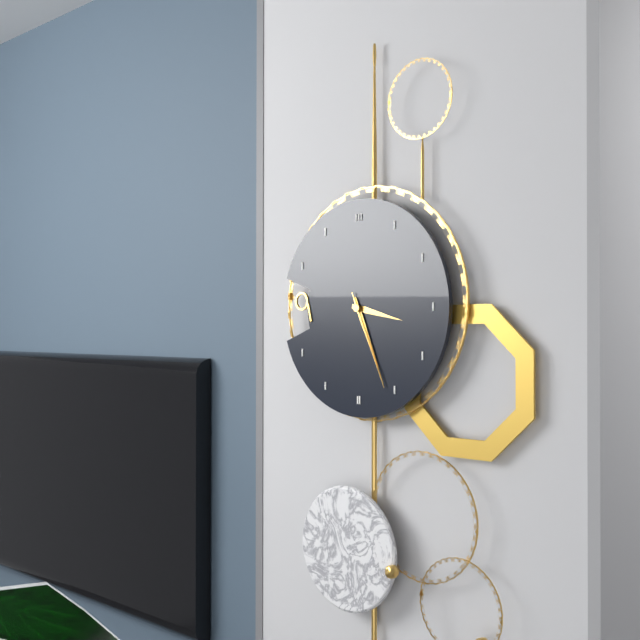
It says 3.26.26
